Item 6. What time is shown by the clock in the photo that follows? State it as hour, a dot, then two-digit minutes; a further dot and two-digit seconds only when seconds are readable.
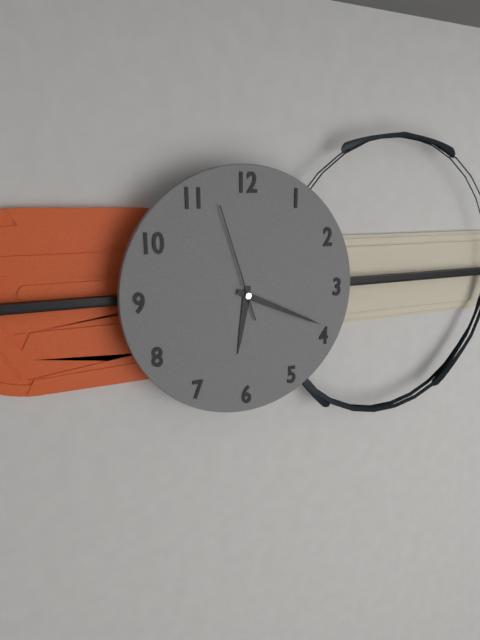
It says 6.19.57
